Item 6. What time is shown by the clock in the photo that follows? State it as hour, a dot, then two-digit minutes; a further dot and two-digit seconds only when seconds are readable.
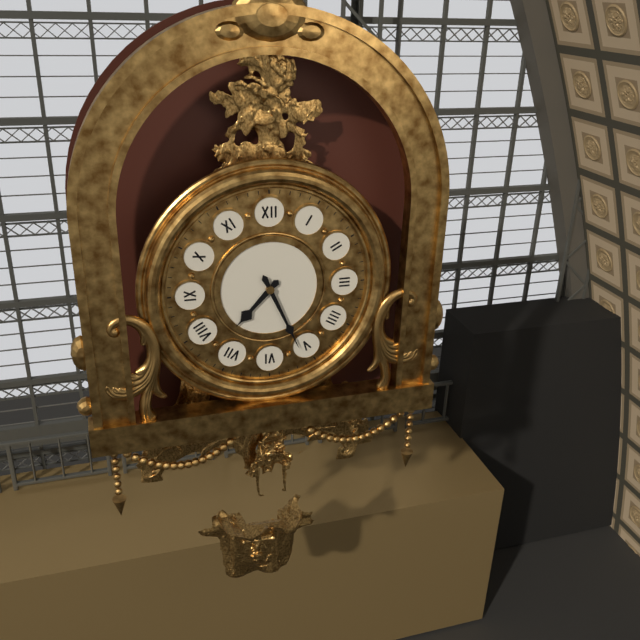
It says 7.26
